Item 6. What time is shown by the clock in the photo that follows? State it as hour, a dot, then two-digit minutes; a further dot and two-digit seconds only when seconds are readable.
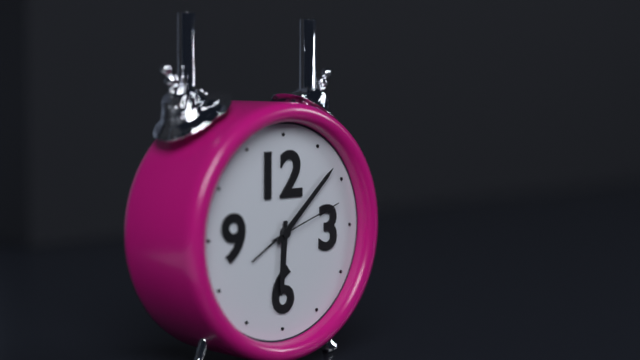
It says 6.08.12
